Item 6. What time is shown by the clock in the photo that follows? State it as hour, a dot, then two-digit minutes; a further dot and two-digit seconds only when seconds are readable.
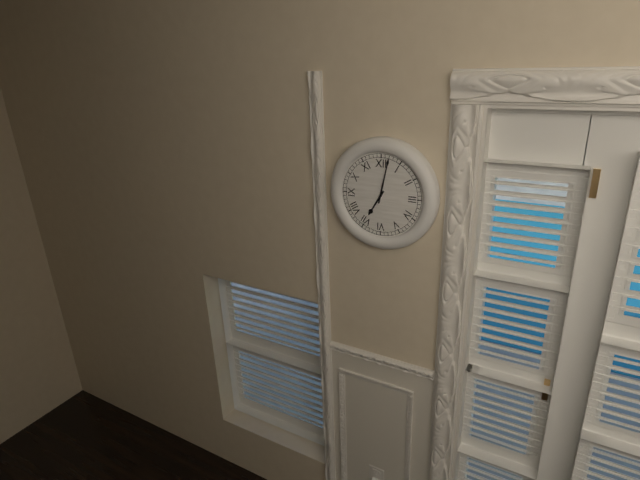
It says 7.02
